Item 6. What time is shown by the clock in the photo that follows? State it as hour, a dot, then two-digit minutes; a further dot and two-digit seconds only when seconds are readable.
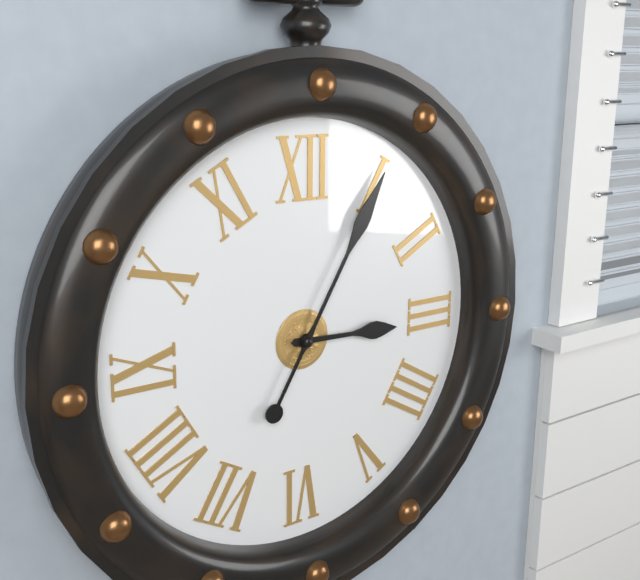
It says 3.05
